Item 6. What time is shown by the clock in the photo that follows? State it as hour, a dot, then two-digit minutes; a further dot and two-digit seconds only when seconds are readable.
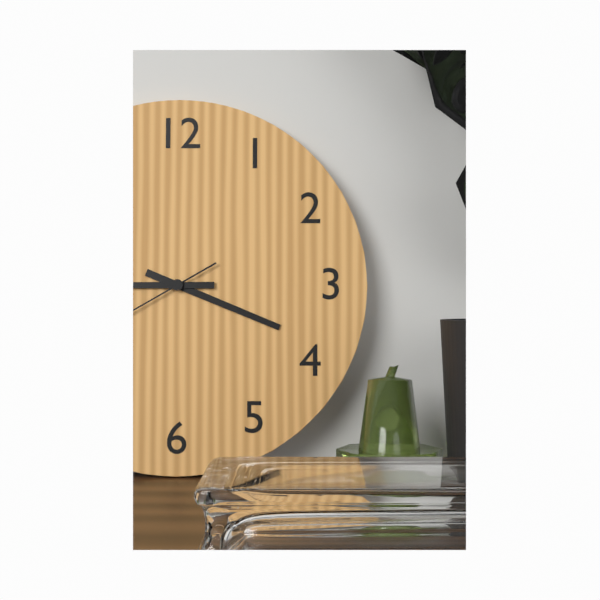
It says 3.45.40
